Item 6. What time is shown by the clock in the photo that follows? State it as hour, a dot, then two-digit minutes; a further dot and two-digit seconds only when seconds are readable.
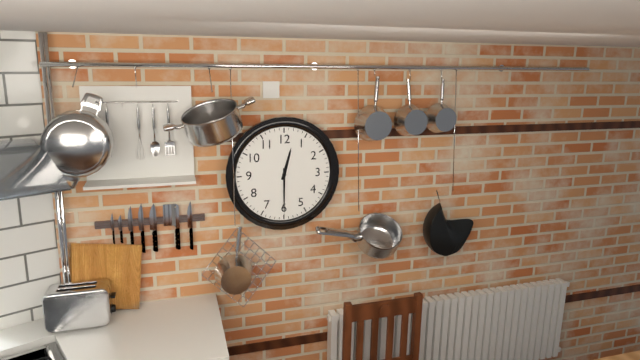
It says 12.30
